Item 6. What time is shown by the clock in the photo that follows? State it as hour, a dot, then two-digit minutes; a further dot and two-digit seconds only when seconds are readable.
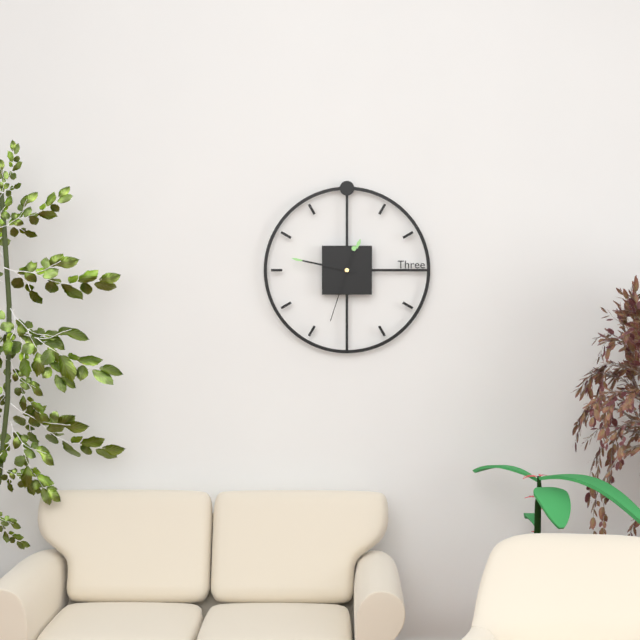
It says 12.47.33
